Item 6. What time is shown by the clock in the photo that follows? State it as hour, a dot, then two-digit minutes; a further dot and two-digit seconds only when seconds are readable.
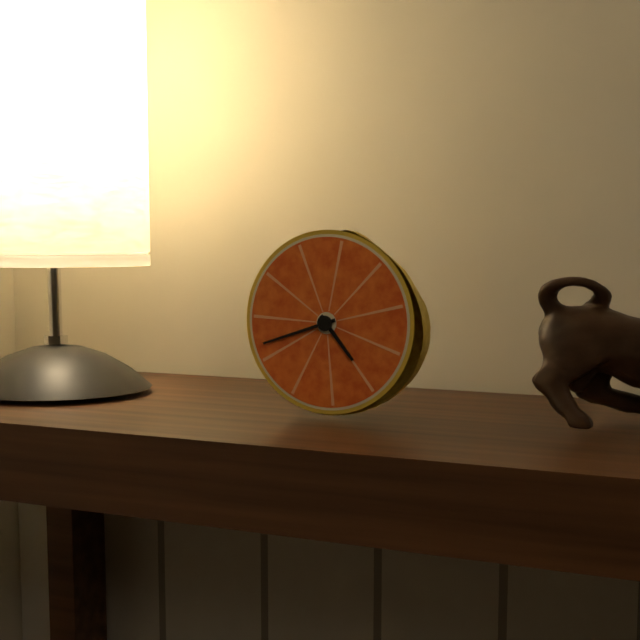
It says 4.42
